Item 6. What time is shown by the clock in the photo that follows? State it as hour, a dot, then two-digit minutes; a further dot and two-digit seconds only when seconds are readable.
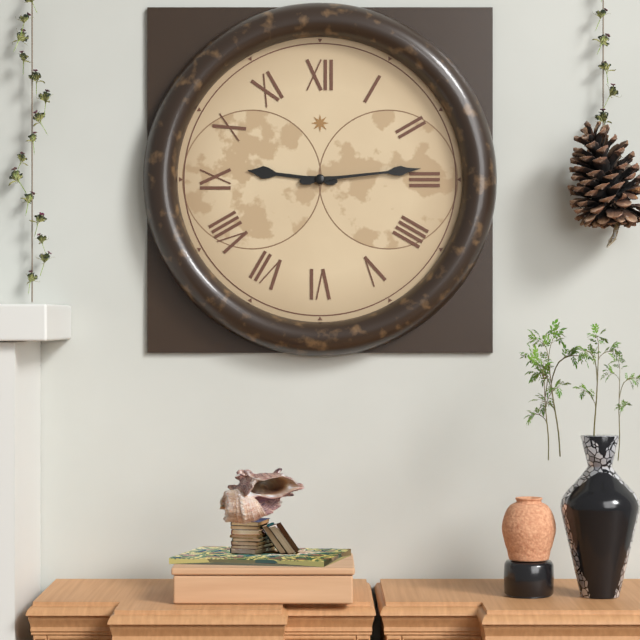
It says 9.14
